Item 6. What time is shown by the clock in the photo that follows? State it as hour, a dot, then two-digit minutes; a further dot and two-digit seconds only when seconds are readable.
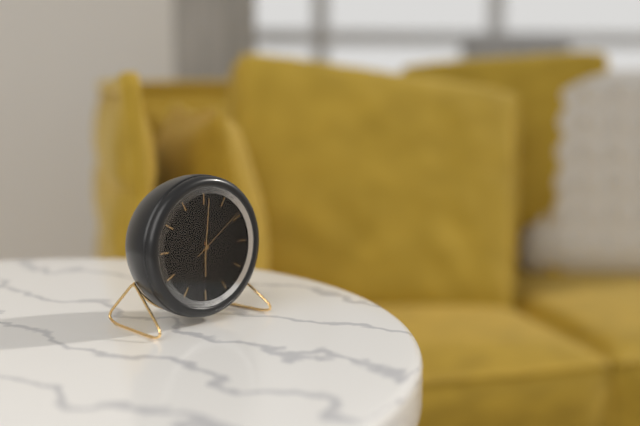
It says 6.01.09
